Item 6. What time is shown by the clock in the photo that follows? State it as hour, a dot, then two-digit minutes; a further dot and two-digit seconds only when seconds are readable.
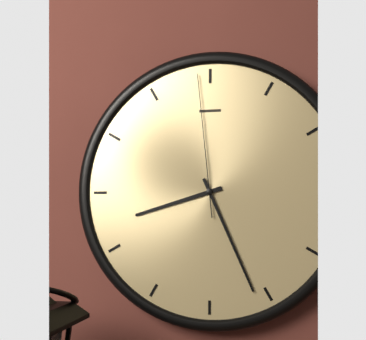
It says 8.26.59
